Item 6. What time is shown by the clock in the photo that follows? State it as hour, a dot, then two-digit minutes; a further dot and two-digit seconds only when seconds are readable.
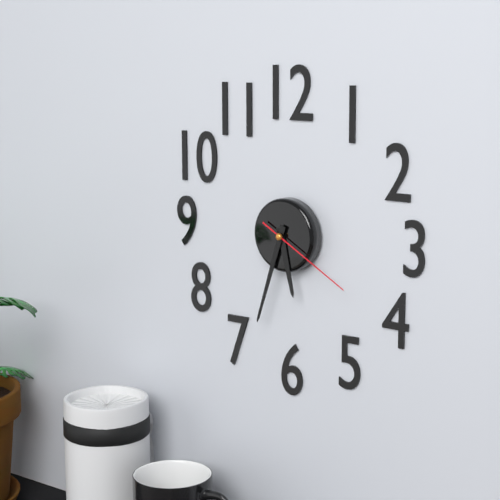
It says 5.33.20
